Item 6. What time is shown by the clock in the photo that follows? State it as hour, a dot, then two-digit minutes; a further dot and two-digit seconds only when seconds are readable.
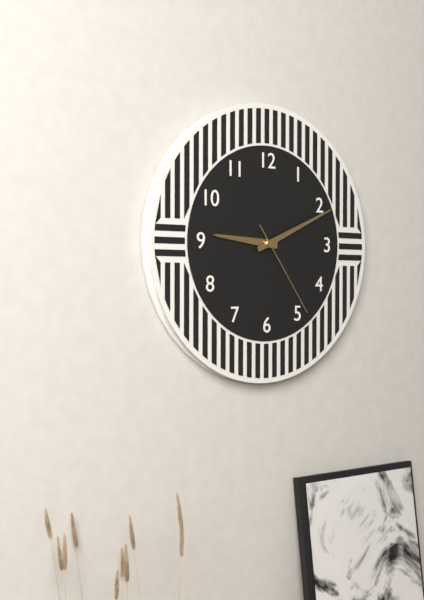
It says 9.11.24
